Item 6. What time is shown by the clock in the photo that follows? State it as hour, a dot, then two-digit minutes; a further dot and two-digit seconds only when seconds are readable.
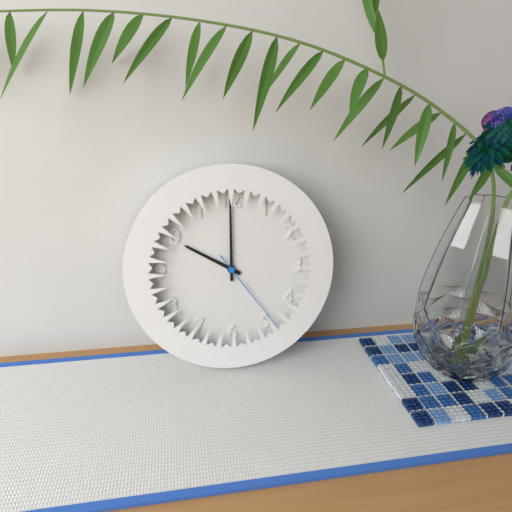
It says 10.00.24
